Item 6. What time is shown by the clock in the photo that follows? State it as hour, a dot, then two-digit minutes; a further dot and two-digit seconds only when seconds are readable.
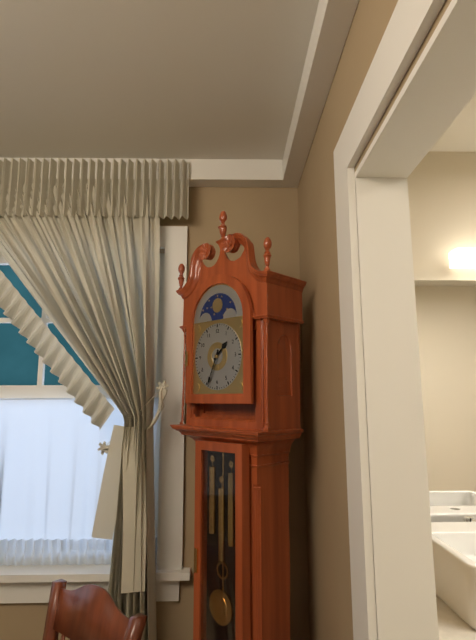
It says 1.34
